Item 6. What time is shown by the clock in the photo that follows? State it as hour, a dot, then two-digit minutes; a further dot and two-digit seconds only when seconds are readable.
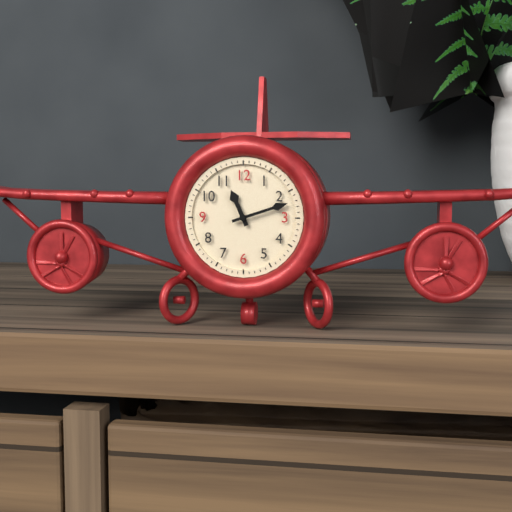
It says 11.12
